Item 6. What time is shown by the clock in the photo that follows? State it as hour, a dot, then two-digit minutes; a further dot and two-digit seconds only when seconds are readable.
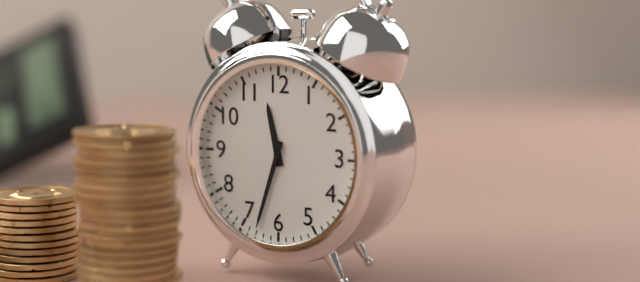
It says 11.33
